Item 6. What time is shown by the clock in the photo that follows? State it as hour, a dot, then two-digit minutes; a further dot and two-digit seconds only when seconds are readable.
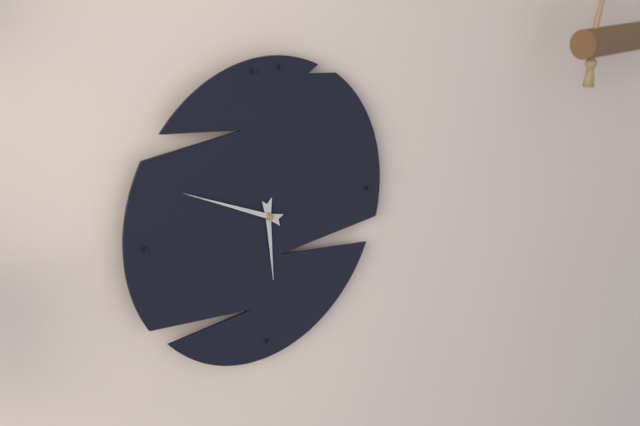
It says 5.49
